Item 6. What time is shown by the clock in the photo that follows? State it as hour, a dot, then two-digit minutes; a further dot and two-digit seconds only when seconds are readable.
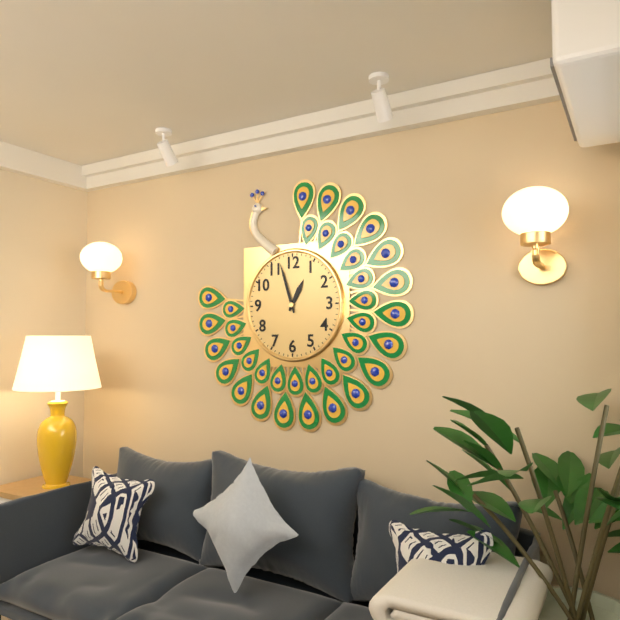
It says 12.57
